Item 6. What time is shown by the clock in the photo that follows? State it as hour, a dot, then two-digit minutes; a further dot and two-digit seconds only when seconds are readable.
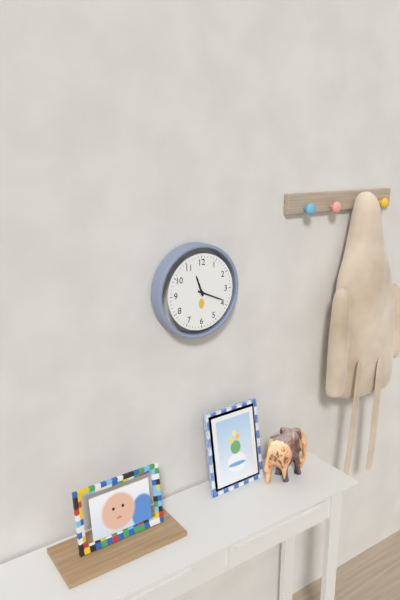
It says 11.19
